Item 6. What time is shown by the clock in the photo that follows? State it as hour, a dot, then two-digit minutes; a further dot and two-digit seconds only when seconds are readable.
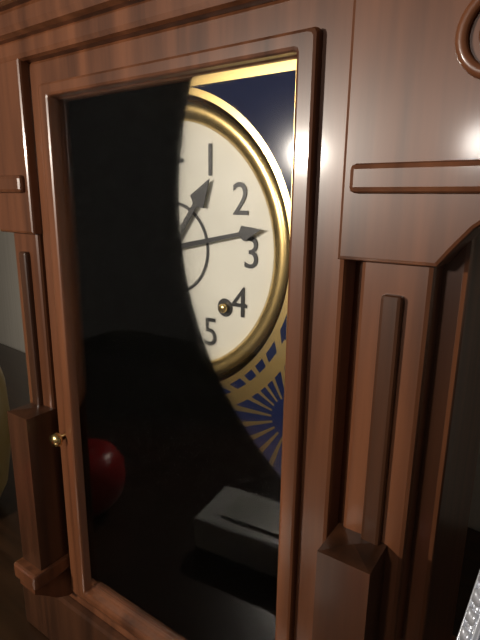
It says 1.13
